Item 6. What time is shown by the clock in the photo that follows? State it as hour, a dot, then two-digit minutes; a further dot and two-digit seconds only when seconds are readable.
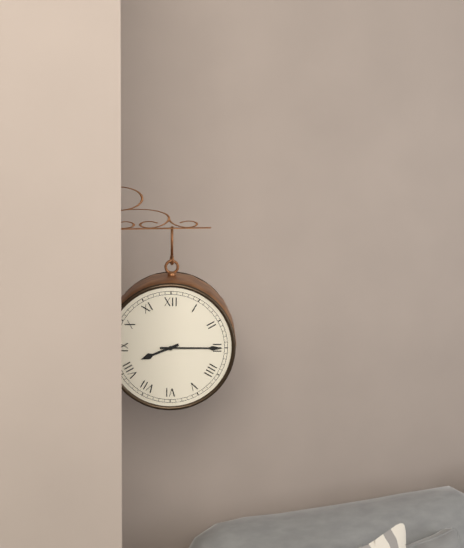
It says 8.15
